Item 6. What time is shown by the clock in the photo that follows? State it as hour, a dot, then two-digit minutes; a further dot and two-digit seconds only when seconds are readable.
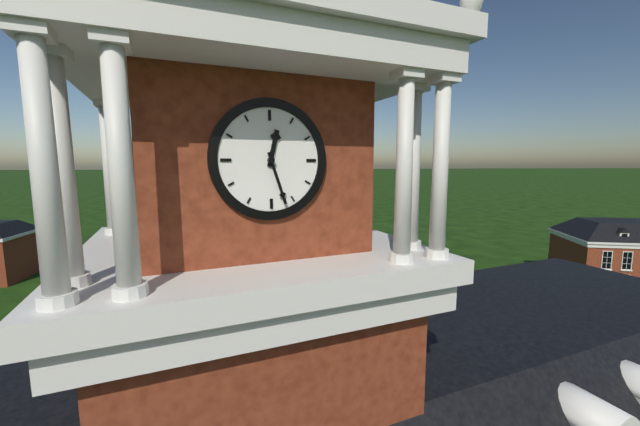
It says 12.27
